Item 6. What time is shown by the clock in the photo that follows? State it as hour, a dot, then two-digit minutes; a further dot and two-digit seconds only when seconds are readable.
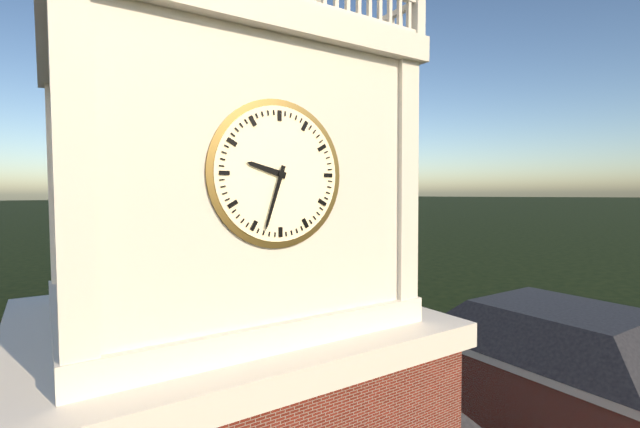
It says 9.33
